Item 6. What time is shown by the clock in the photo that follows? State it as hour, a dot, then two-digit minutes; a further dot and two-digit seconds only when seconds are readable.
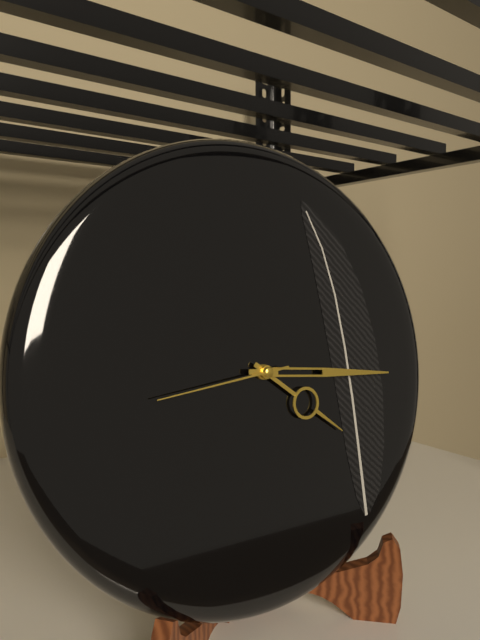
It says 4.16.44
